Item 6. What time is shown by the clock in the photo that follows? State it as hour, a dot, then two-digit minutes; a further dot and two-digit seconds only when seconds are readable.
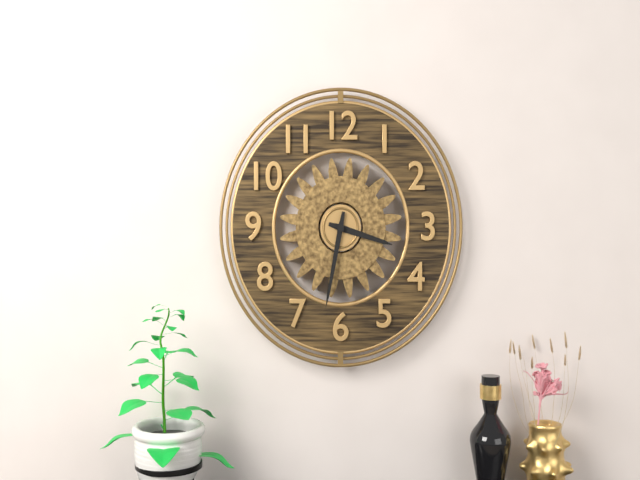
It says 3.32
